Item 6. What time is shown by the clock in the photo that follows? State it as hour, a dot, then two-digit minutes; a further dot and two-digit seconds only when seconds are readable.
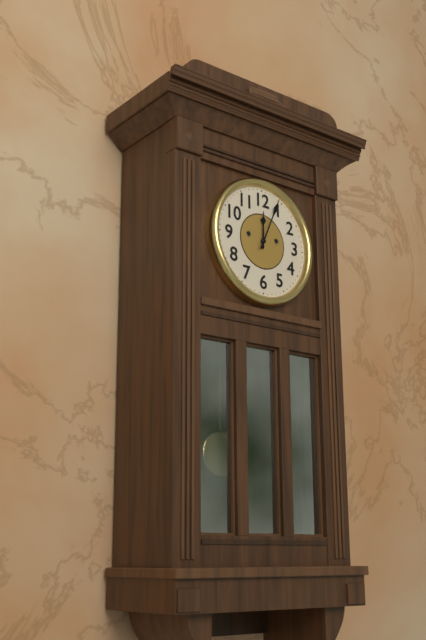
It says 12.04
